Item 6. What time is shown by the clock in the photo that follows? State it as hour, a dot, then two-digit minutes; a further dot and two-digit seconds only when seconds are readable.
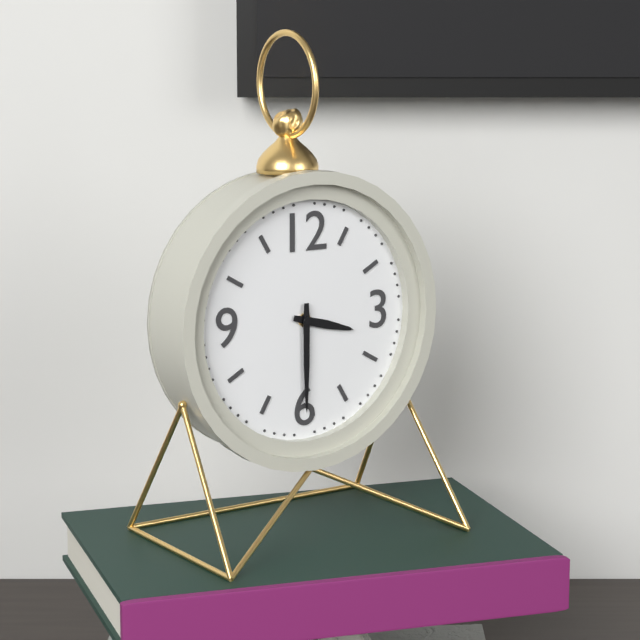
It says 3.30
